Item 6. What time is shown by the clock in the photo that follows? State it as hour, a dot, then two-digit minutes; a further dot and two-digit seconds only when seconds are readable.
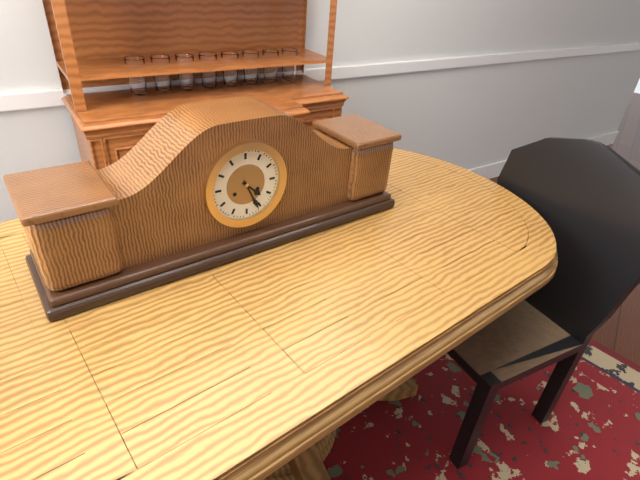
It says 4.26
